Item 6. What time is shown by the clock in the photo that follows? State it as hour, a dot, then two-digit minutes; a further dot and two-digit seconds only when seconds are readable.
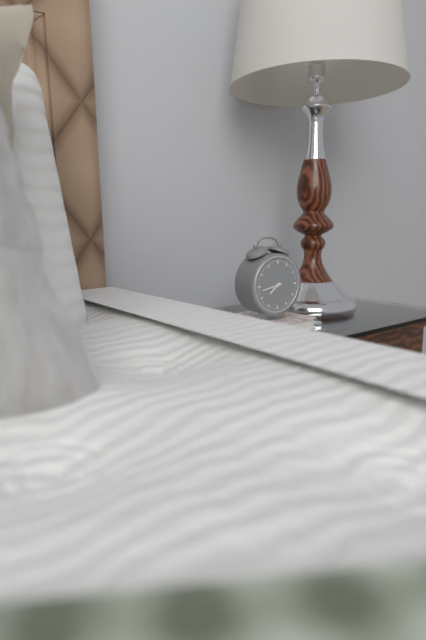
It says 7.43
